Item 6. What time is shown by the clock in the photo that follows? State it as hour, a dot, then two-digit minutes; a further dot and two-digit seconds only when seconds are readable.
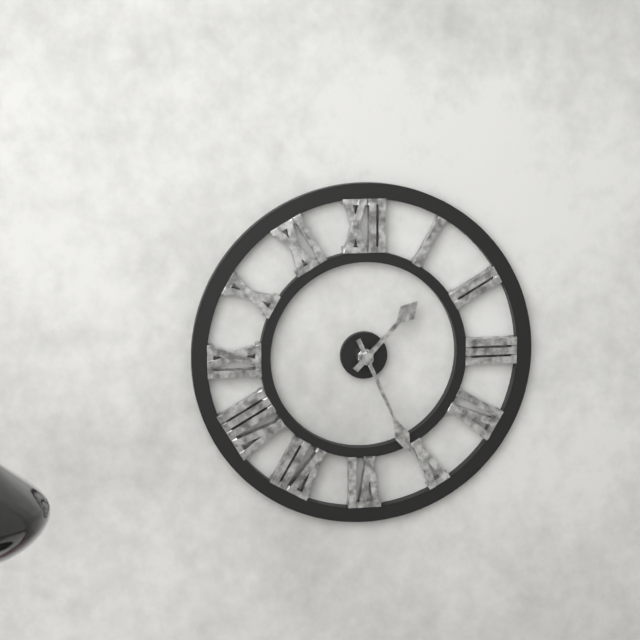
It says 1.26
